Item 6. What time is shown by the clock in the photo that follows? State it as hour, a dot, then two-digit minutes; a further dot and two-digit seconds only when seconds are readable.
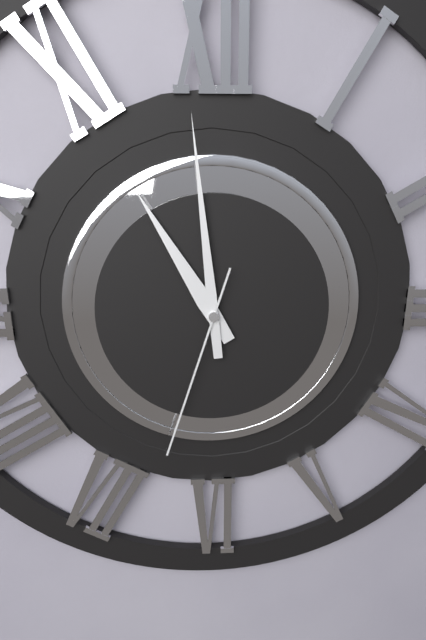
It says 10.59.33
